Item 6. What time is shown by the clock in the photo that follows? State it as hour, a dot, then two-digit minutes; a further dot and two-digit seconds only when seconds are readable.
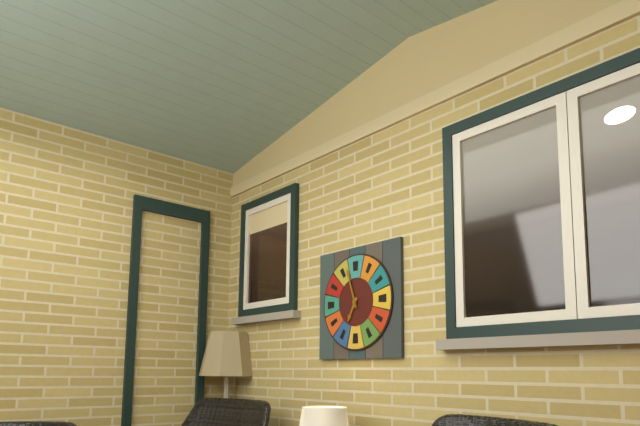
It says 6.57
